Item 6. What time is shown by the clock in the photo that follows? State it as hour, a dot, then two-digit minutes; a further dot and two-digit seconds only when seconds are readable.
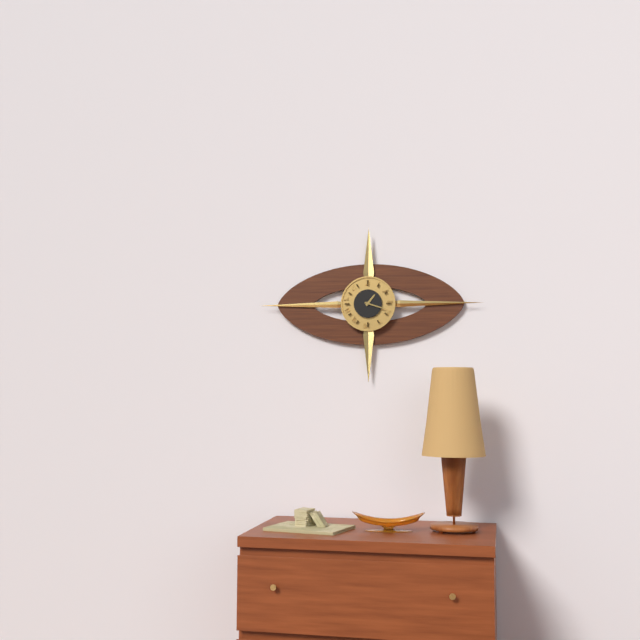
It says 1.18
